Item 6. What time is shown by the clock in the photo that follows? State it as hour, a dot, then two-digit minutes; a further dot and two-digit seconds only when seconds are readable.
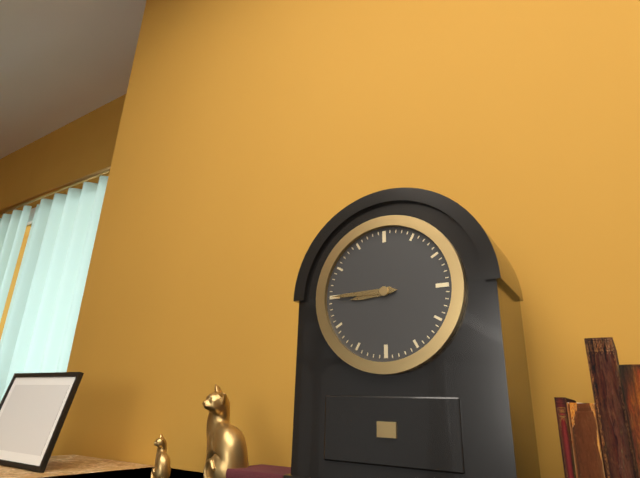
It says 8.45
